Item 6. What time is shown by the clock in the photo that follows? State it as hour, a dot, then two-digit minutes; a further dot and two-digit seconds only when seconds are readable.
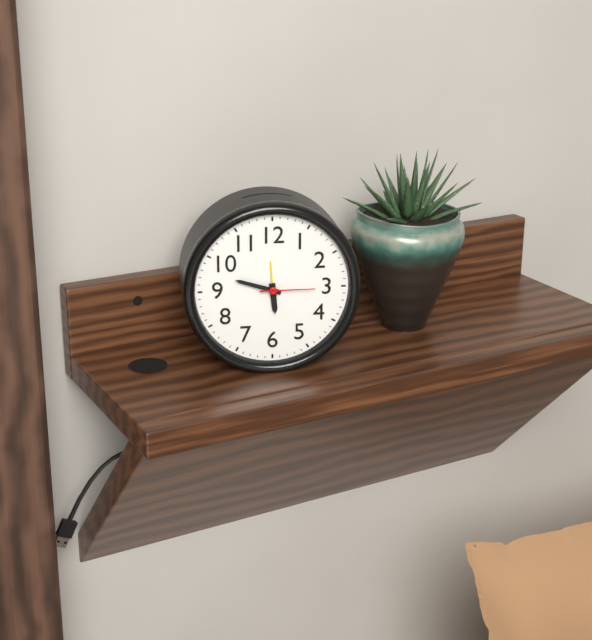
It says 5.48.15
